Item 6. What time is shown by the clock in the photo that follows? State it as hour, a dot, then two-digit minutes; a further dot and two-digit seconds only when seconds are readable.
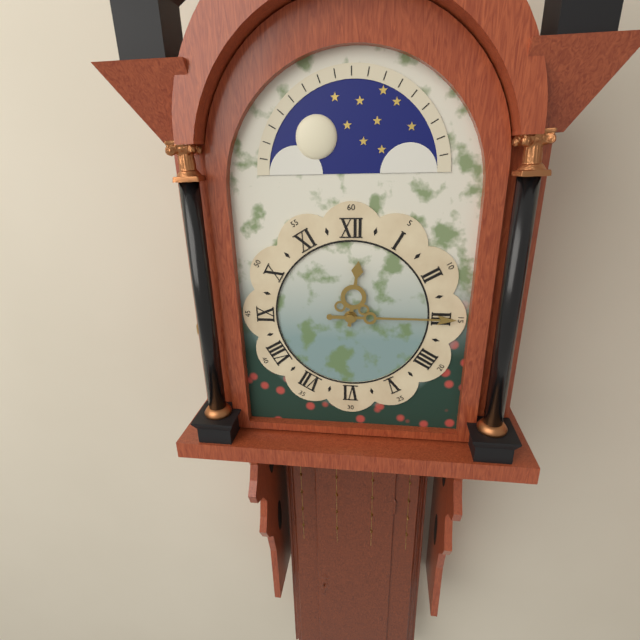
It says 12.15
